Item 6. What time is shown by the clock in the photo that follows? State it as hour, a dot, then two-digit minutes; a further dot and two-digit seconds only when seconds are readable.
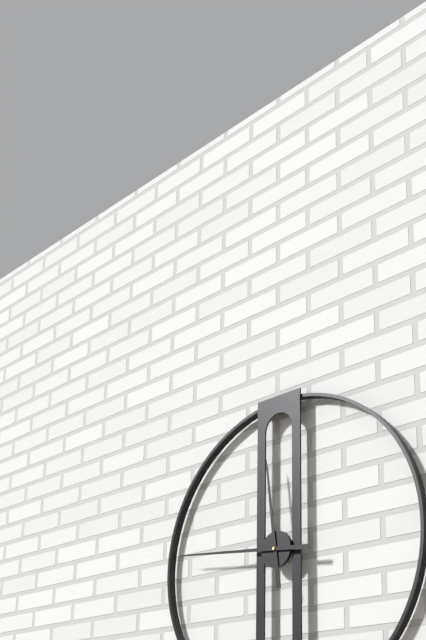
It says 11.46
